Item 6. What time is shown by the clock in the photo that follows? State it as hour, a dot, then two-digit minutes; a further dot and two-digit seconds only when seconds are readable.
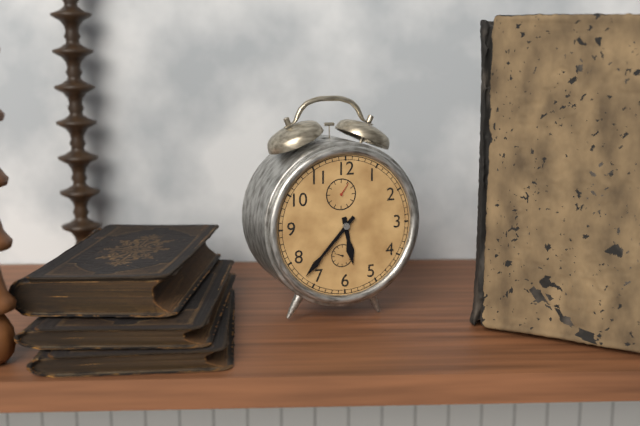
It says 5.37
